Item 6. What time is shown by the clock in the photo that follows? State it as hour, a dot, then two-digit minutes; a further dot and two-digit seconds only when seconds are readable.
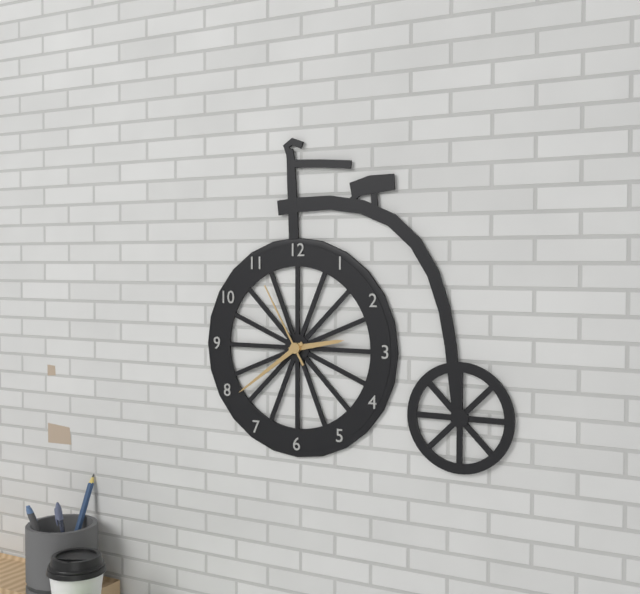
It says 2.39.55
